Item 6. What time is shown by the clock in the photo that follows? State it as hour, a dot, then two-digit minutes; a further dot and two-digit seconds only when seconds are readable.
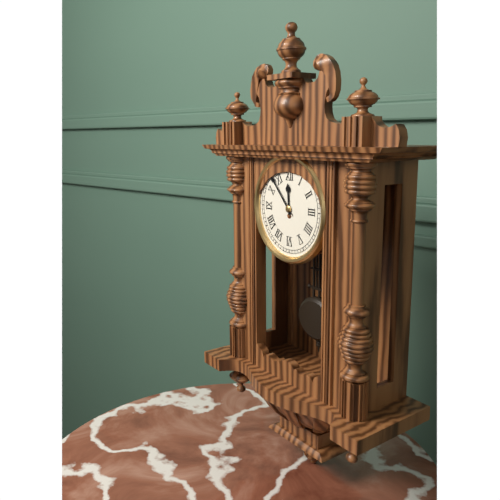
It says 11.53
